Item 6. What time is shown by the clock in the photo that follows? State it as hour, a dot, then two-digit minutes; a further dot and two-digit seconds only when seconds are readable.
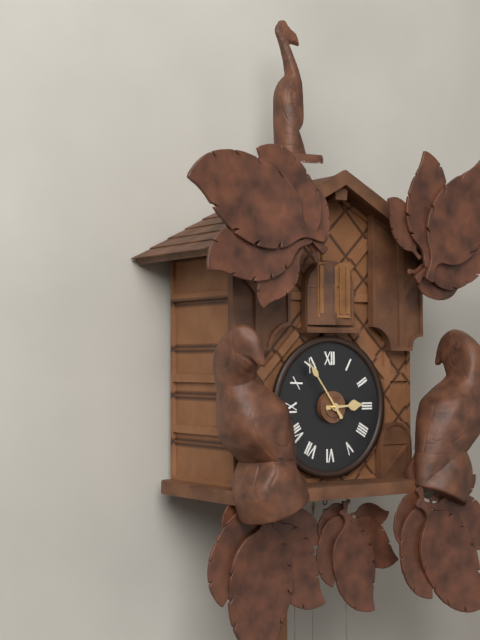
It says 2.54
